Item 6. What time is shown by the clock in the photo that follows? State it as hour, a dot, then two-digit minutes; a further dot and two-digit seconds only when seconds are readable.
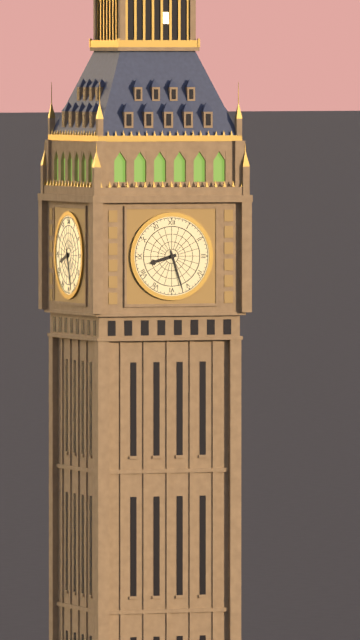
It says 8.27
